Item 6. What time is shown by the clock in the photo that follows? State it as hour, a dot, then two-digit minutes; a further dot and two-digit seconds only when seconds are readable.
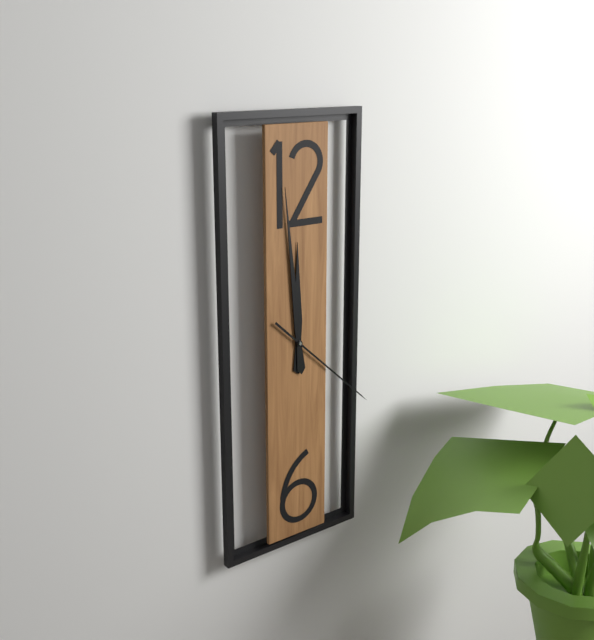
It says 11.59.22
